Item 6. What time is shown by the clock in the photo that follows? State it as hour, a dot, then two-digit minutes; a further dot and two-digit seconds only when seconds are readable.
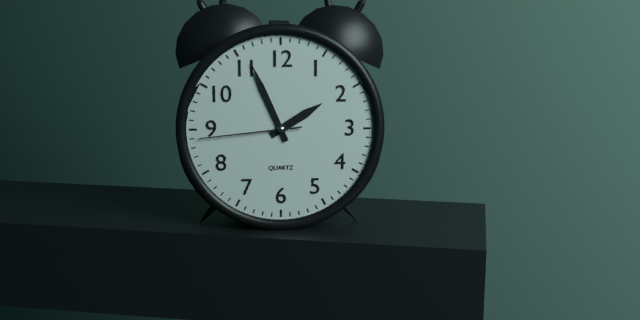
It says 1.56.44
